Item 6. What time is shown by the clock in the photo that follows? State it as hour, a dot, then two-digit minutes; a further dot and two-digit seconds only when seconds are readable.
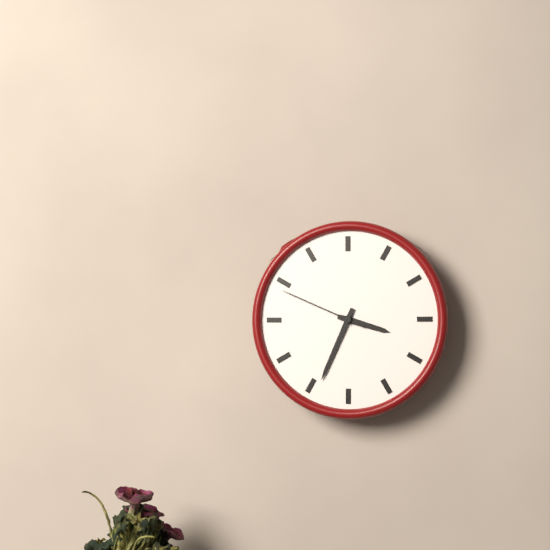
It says 3.34.49
